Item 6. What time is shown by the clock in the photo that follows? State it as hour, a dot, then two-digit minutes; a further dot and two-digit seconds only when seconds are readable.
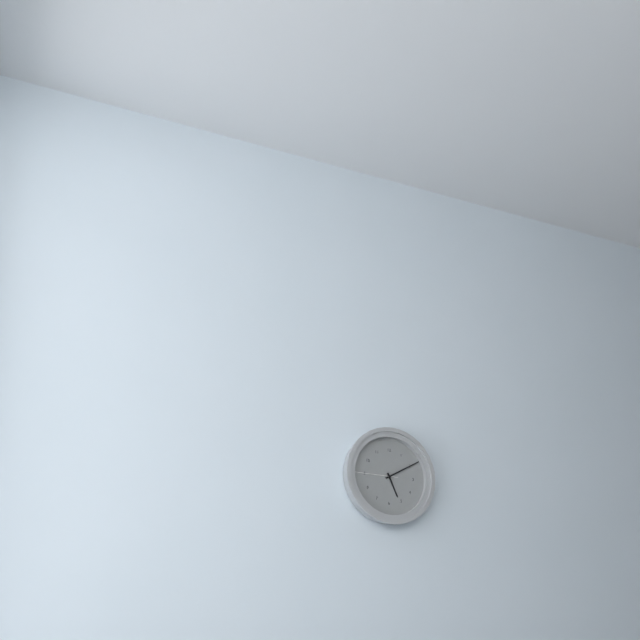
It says 5.10
